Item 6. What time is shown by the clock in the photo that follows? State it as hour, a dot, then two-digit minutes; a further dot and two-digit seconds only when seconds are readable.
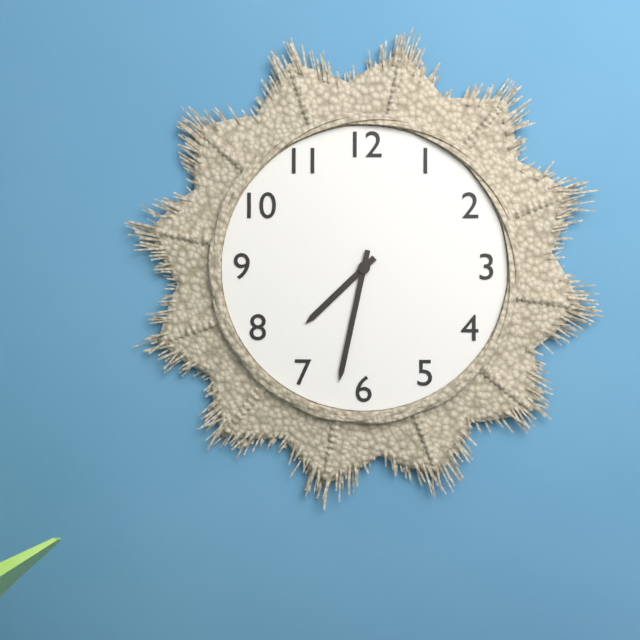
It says 7.32
